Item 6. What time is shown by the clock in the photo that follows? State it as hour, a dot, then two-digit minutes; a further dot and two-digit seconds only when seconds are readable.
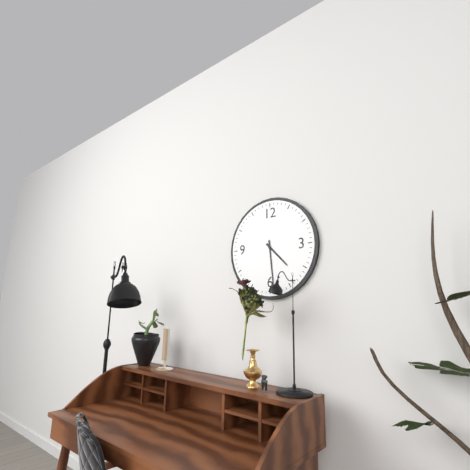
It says 4.29
